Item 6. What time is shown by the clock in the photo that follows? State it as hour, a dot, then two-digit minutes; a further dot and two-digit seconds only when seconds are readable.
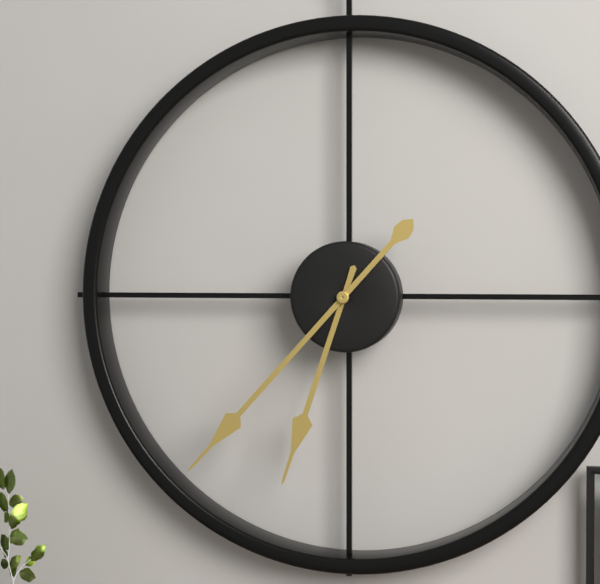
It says 6.37
